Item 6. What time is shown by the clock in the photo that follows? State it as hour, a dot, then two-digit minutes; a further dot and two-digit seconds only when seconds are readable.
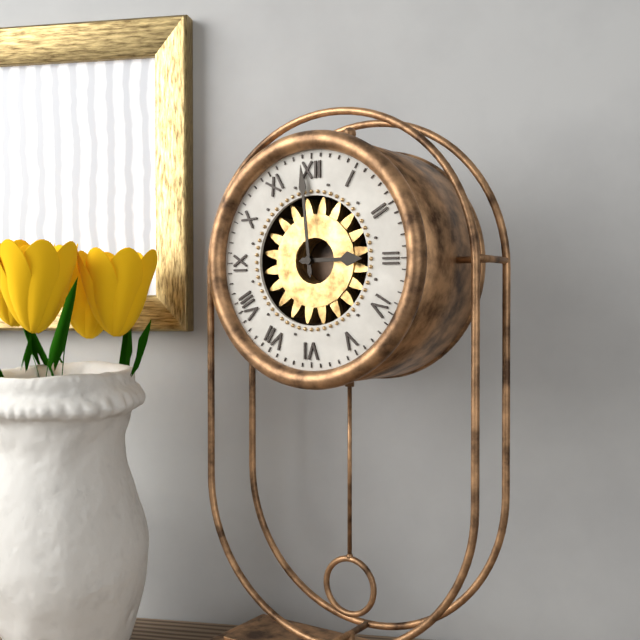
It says 2.59
